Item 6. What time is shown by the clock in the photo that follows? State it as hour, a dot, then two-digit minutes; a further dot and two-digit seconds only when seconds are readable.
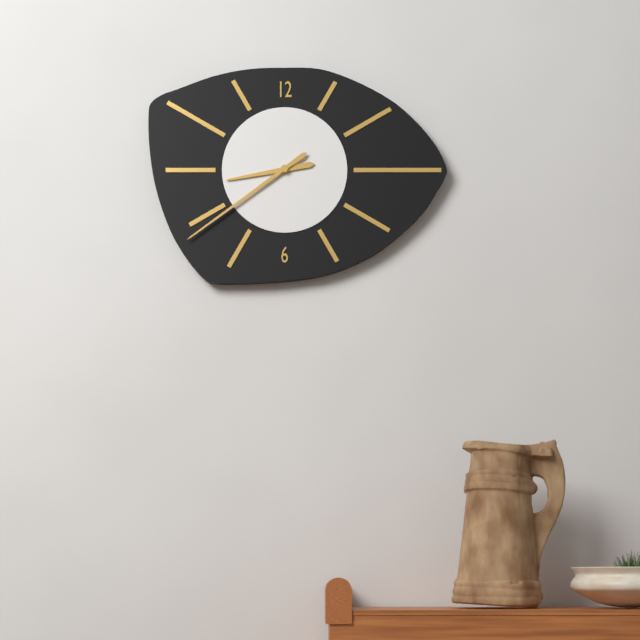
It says 8.39
